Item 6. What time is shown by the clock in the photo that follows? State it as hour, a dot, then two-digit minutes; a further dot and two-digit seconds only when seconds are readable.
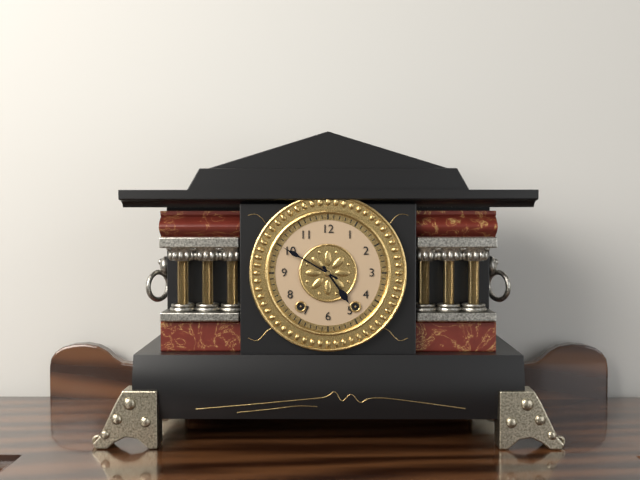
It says 4.50
